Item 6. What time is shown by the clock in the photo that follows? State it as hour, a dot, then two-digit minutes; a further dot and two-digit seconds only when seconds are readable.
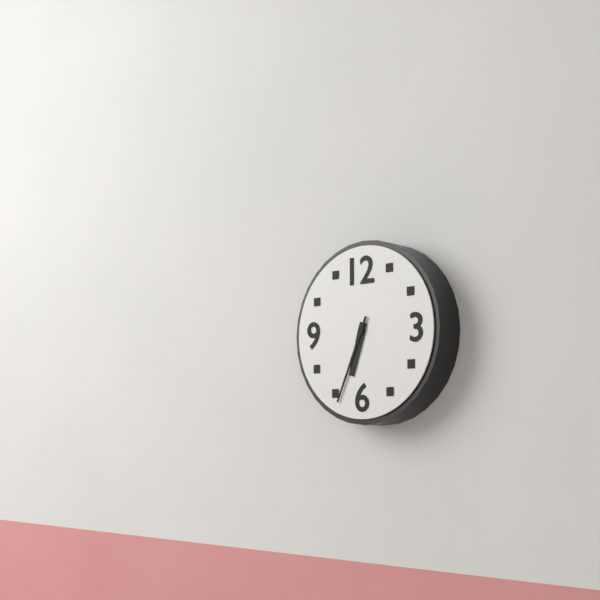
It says 6.34
